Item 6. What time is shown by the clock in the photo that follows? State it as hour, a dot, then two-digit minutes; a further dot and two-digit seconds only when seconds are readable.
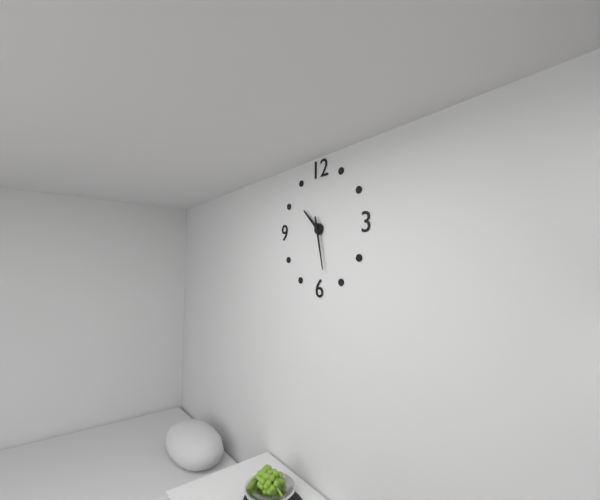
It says 10.28
